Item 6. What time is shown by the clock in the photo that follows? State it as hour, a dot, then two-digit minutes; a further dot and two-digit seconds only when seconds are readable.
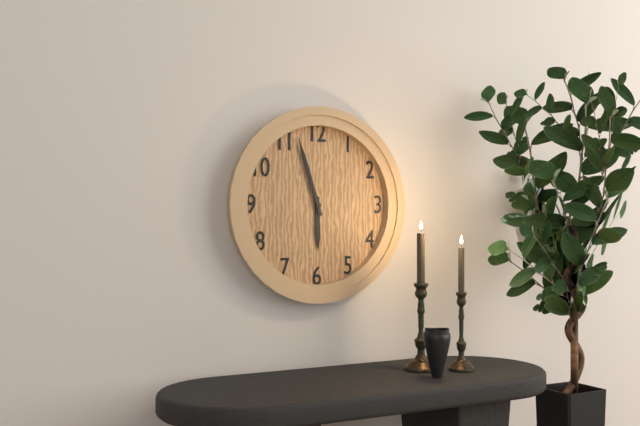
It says 5.57
